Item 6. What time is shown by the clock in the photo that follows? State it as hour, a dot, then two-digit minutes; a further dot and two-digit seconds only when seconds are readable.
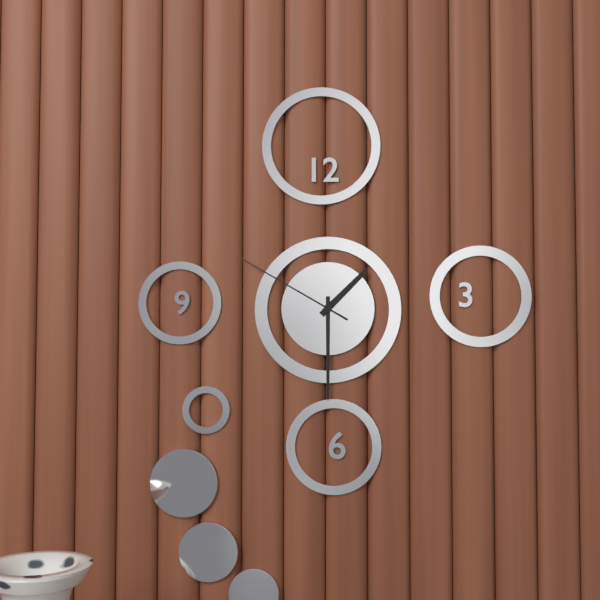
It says 1.30.50
